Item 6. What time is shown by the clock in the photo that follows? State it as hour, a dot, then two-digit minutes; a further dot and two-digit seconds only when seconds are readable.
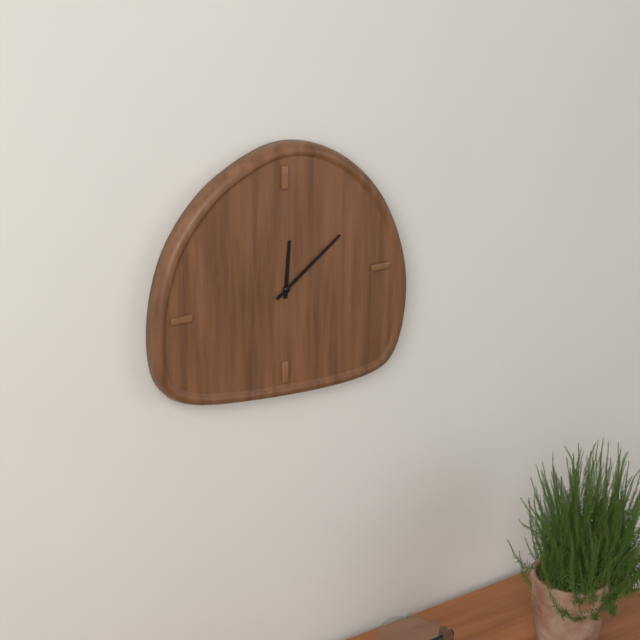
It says 12.09
